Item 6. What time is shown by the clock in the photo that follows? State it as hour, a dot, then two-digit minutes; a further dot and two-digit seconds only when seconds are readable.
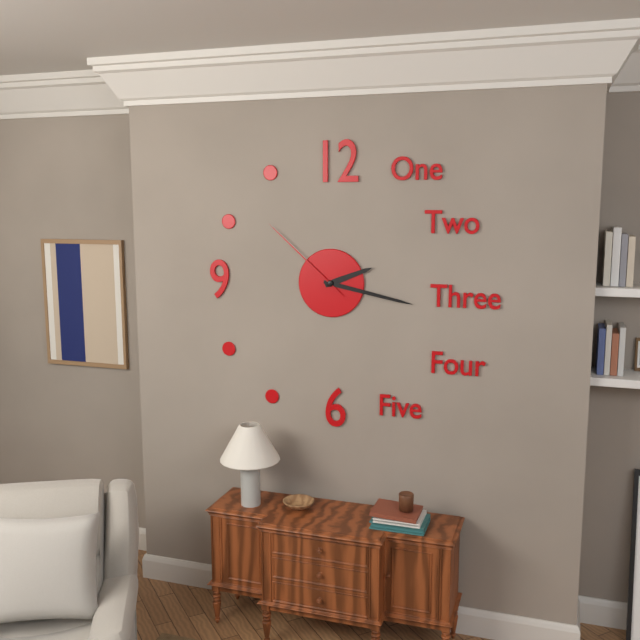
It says 2.17.52
